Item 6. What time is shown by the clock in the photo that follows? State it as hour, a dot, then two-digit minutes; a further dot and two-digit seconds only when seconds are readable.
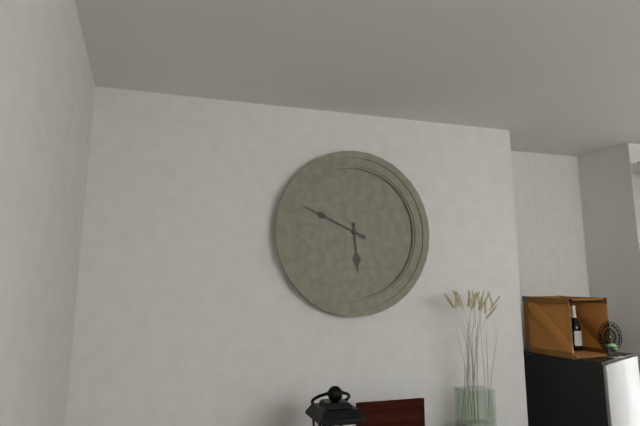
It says 5.49
